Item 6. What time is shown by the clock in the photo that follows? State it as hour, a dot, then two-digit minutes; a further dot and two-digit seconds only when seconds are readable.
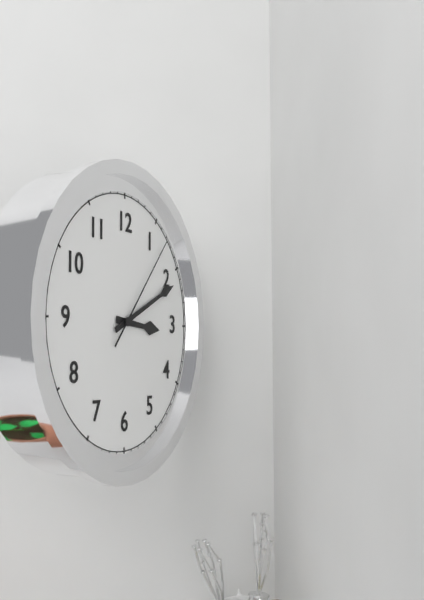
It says 3.11.07
